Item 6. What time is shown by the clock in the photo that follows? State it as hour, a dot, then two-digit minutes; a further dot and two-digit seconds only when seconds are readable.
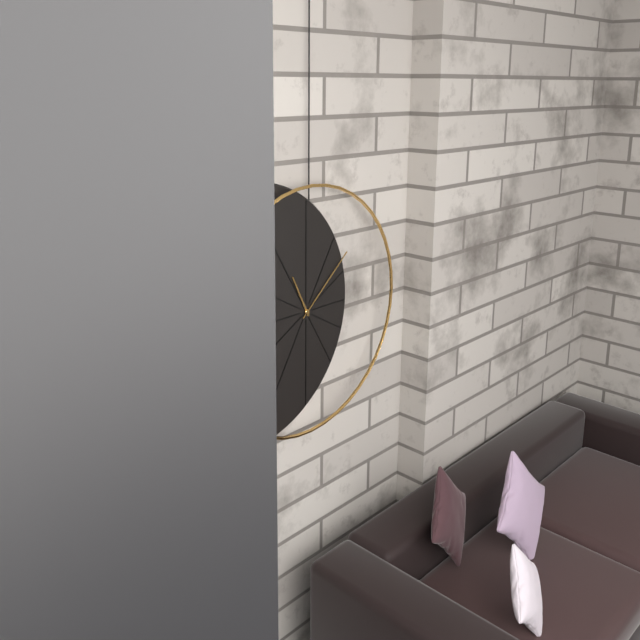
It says 11.08
